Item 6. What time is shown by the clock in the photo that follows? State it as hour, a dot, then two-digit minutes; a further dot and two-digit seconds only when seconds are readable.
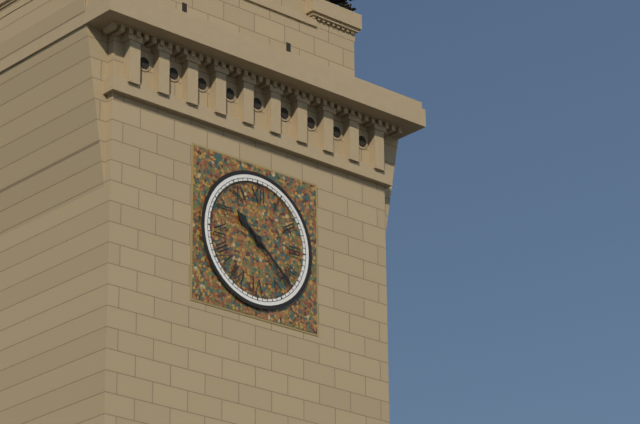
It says 10.22
